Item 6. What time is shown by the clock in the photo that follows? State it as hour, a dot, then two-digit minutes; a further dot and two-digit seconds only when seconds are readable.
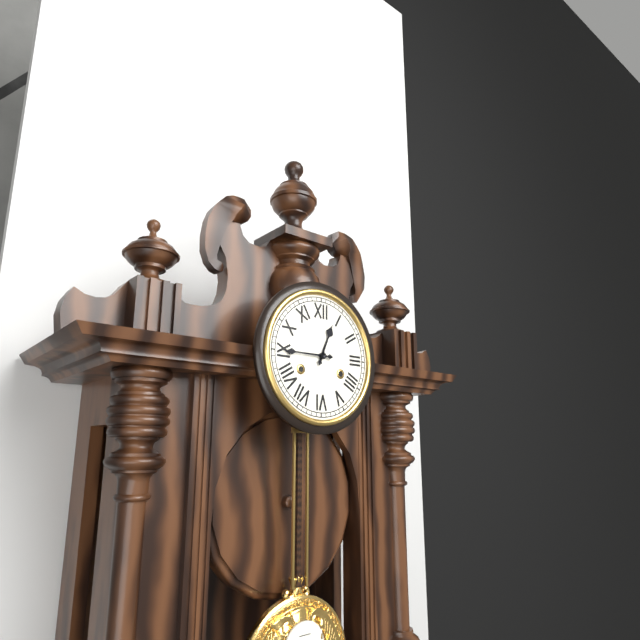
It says 12.45
